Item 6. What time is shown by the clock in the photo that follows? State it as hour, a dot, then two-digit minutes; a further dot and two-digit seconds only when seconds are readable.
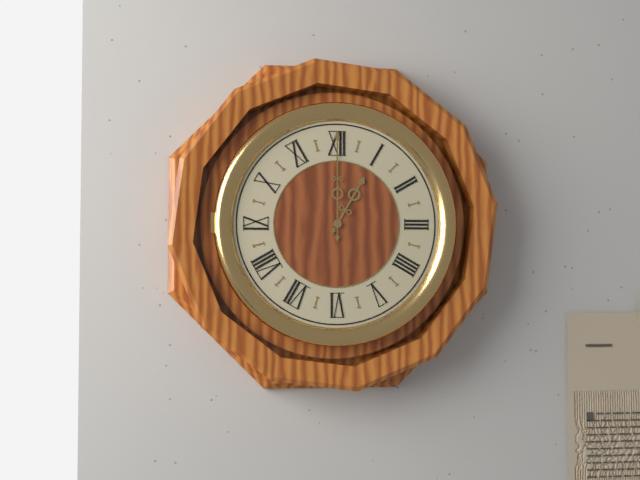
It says 1.00
